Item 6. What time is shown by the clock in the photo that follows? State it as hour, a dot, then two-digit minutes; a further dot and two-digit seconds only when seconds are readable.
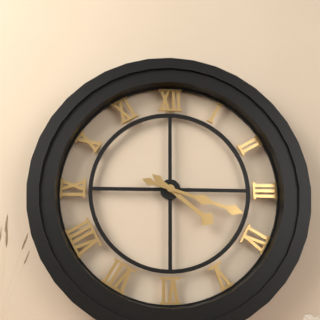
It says 4.18
